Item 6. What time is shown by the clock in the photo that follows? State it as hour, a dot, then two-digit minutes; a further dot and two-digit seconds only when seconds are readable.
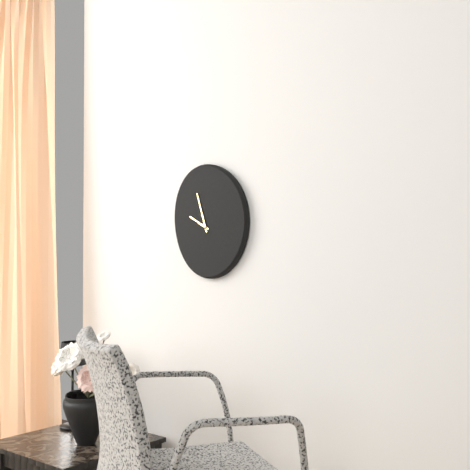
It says 9.57
